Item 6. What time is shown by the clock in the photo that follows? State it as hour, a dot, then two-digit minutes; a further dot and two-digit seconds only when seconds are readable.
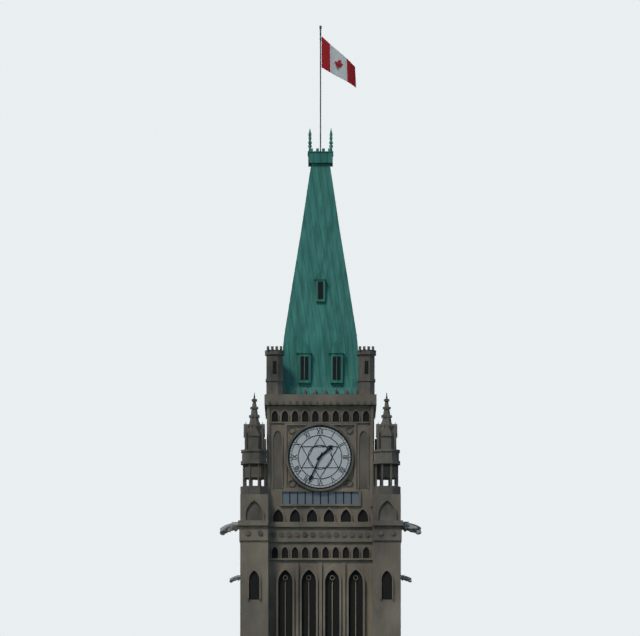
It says 1.34
